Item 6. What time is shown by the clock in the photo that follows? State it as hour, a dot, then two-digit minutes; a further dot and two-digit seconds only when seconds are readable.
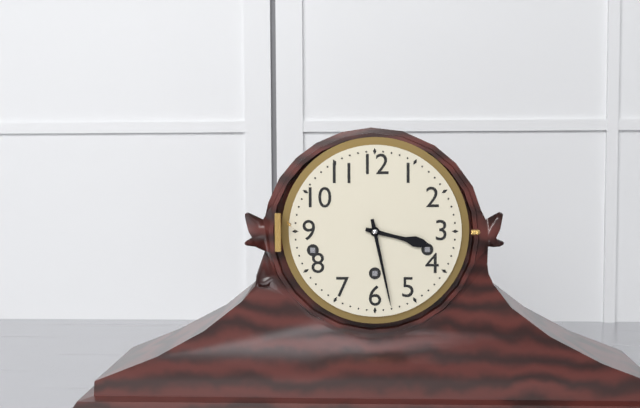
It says 3.28
